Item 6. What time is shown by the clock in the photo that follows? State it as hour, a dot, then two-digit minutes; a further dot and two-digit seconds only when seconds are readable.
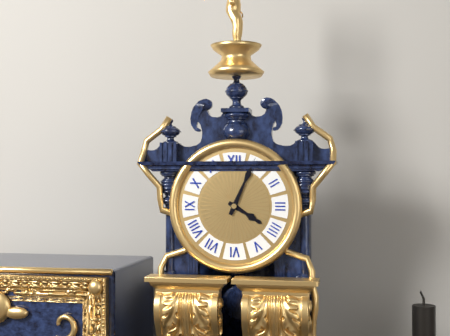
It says 4.04
